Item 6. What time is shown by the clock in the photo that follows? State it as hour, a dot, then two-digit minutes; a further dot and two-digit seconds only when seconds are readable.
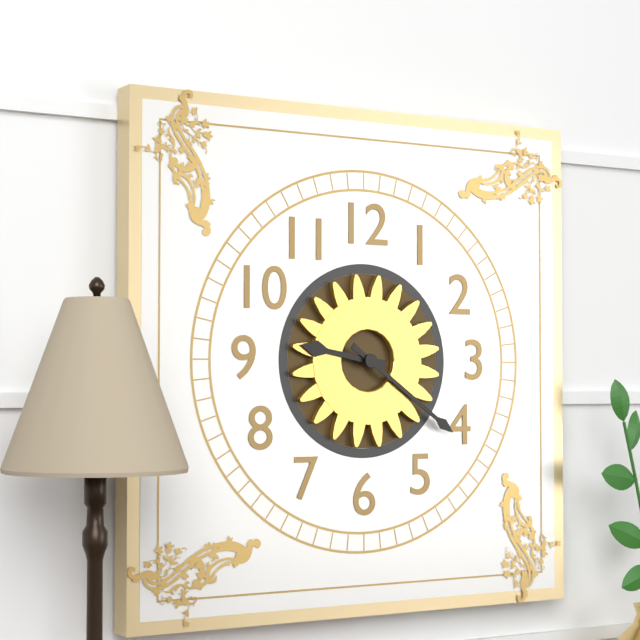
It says 9.21
